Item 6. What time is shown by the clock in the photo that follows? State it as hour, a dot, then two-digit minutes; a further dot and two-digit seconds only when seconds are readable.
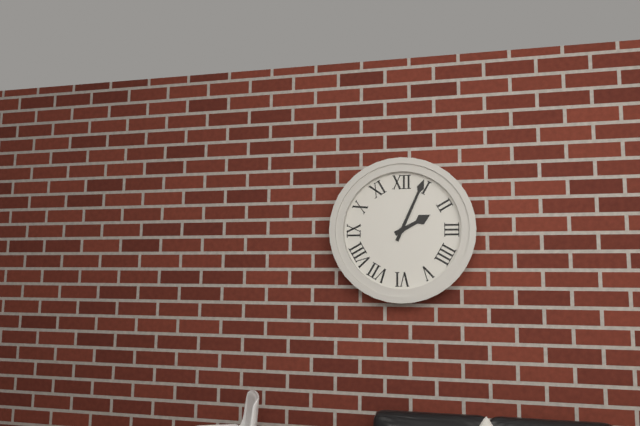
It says 2.04
